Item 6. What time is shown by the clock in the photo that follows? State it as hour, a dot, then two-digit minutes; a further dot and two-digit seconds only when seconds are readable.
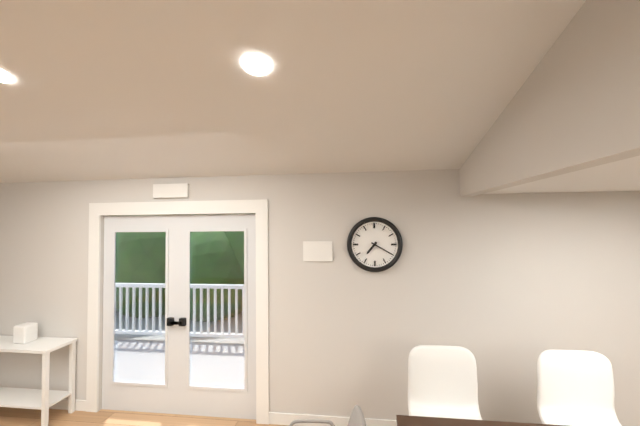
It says 7.20
